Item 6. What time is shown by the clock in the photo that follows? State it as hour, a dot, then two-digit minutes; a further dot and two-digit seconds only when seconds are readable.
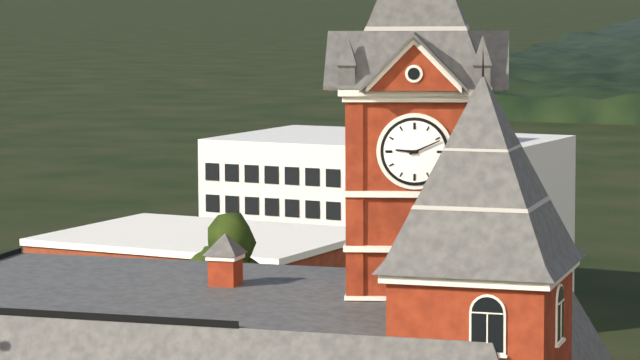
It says 9.11
